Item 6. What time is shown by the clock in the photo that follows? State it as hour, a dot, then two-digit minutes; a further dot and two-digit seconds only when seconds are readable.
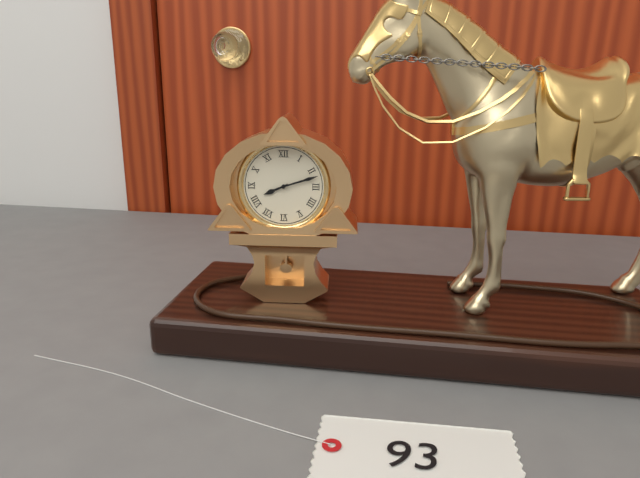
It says 8.12
